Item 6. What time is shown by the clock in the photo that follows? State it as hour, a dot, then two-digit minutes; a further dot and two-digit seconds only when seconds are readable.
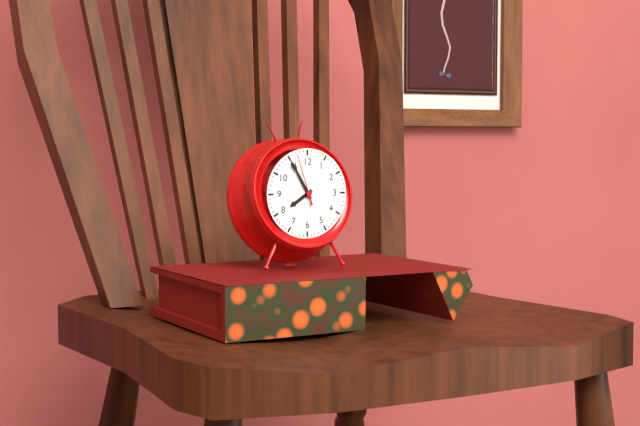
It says 7.55.57
